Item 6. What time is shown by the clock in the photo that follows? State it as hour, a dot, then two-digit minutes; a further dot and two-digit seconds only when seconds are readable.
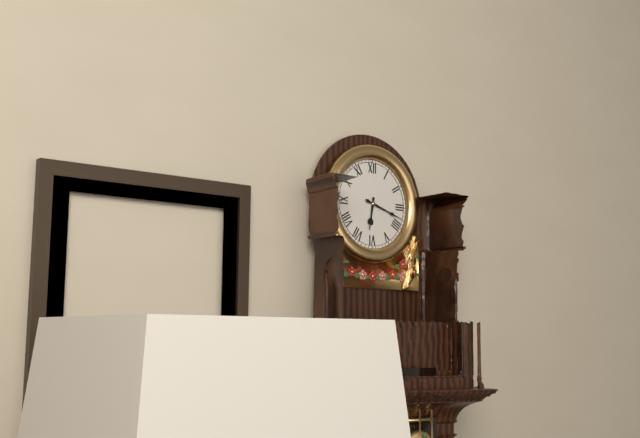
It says 6.18
